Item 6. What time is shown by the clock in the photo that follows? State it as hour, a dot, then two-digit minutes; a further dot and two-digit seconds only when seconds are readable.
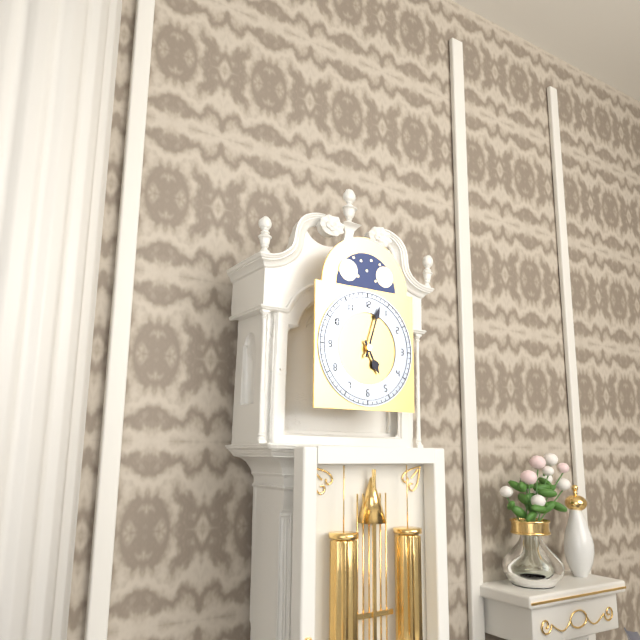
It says 5.03
